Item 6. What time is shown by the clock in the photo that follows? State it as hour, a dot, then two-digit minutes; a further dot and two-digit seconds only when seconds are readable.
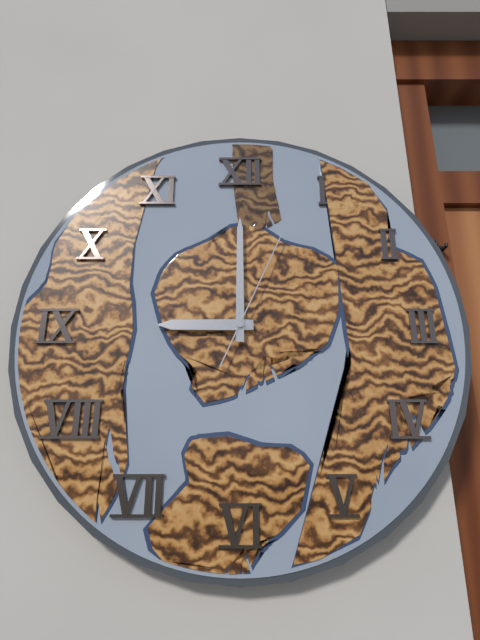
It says 9.00.04
